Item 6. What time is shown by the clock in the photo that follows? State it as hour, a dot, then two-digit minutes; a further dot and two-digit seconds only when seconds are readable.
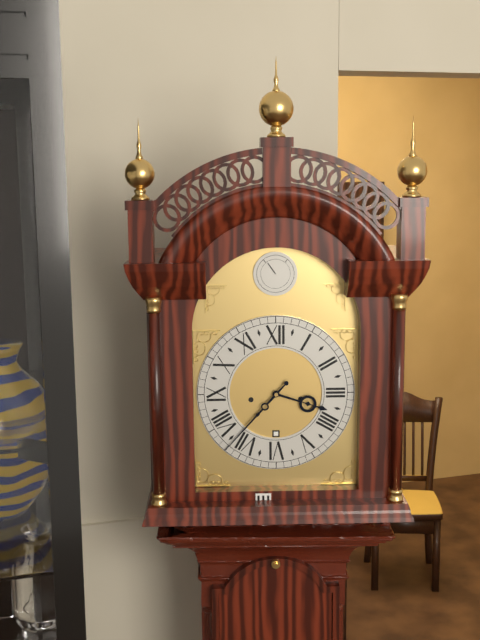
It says 3.37
